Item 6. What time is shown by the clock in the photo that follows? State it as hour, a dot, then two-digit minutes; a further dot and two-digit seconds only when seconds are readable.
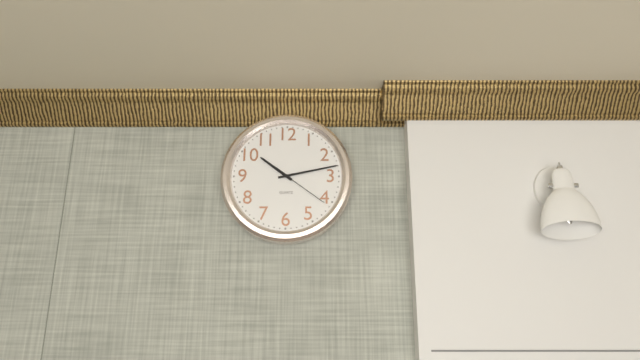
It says 10.13.21
